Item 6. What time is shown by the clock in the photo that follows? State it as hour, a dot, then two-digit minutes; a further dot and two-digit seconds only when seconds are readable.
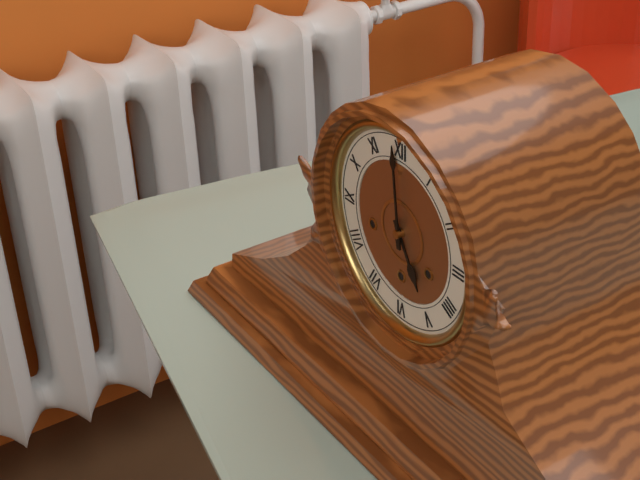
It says 4.59
